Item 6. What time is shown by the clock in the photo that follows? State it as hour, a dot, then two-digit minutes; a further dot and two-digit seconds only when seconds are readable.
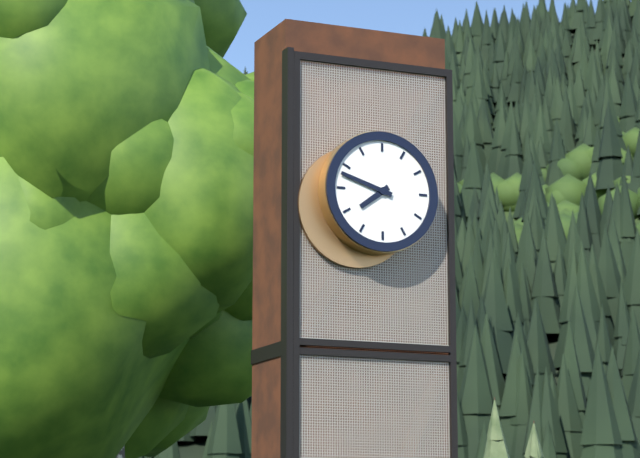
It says 7.48
